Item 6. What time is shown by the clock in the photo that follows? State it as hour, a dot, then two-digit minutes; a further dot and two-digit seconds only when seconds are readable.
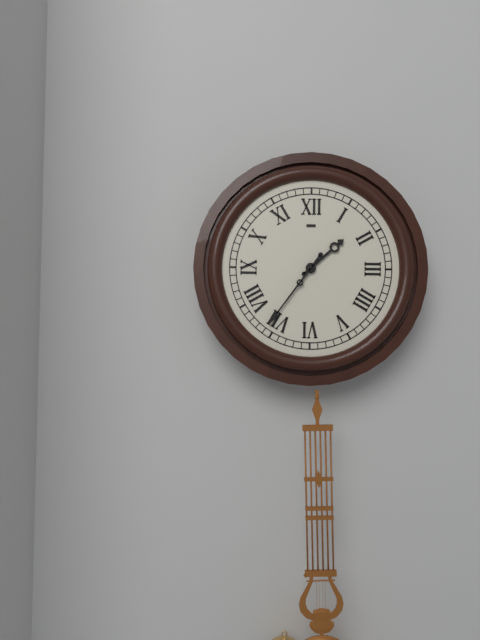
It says 1.36
